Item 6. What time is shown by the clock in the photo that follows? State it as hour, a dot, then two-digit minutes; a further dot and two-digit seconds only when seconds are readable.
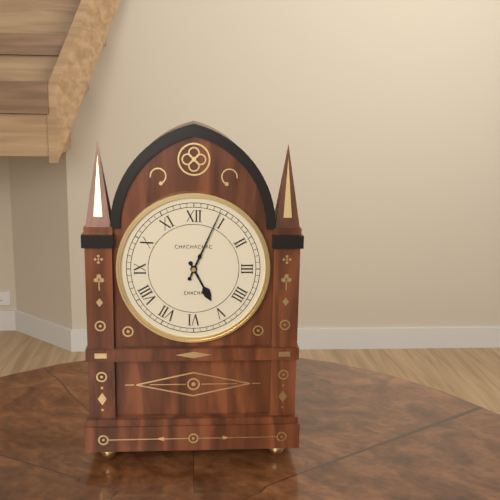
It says 5.04
